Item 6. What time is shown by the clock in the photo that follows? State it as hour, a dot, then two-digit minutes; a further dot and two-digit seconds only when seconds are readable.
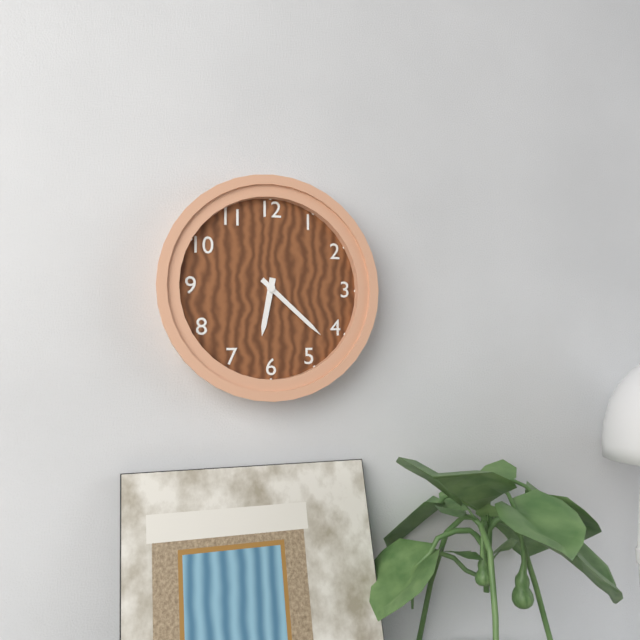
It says 6.22
